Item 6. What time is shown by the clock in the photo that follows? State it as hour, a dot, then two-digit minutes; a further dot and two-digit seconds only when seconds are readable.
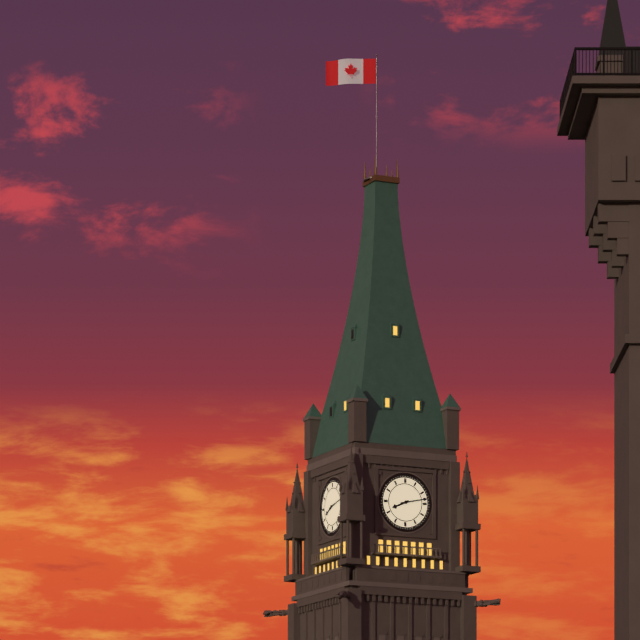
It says 8.13
